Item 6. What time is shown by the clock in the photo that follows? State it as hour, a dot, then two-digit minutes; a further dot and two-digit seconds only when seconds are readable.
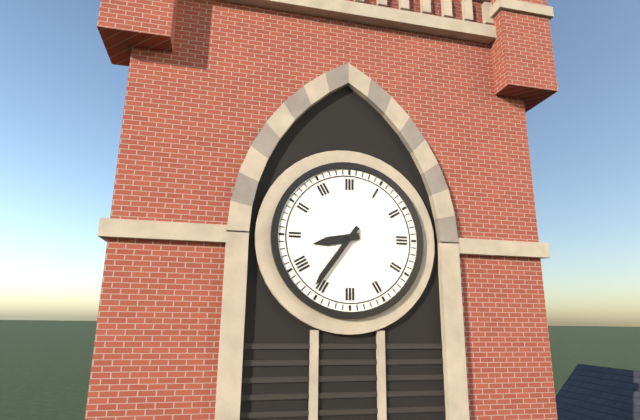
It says 8.36
